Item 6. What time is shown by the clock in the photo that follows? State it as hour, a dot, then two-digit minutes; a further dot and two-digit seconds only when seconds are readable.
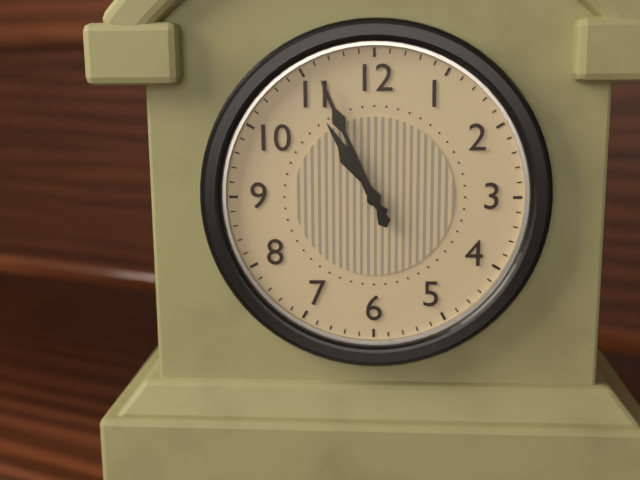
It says 10.56
